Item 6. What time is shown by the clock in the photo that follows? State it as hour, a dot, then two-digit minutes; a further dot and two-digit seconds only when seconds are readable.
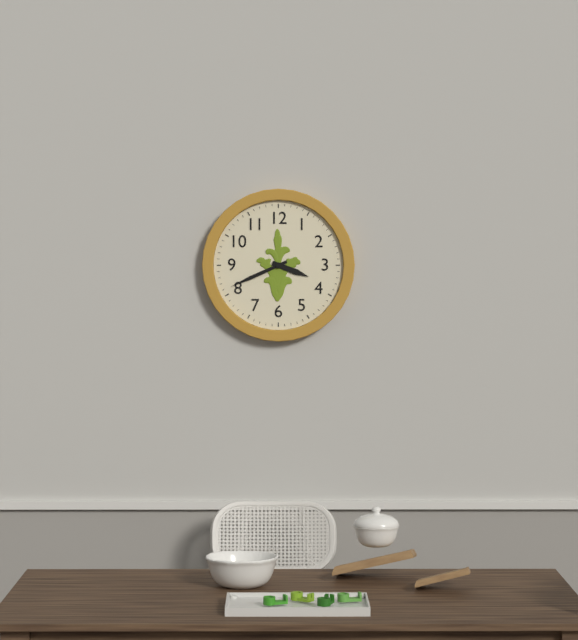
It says 3.41
